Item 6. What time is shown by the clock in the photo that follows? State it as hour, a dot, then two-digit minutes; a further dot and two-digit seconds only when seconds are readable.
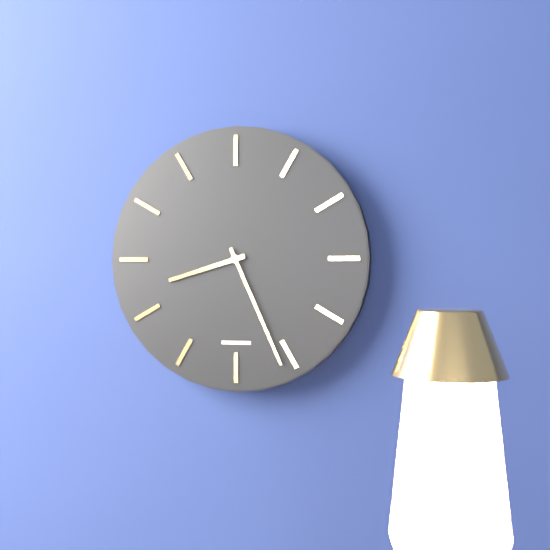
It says 8.26
